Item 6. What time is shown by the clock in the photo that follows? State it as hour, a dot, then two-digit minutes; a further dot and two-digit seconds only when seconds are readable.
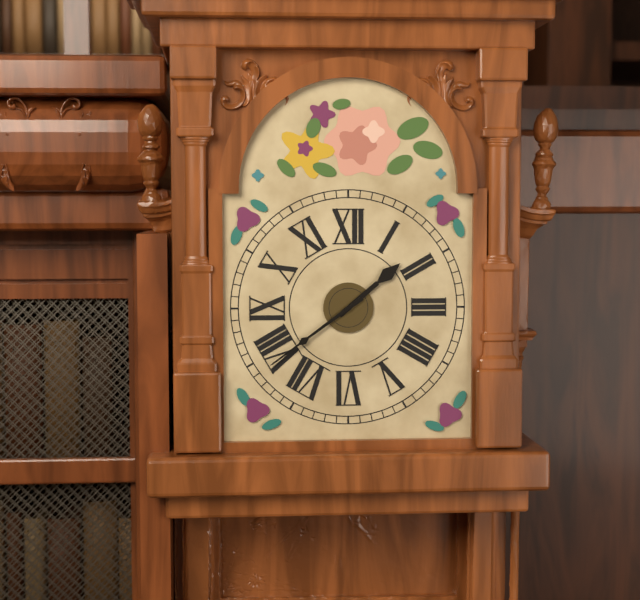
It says 1.39
